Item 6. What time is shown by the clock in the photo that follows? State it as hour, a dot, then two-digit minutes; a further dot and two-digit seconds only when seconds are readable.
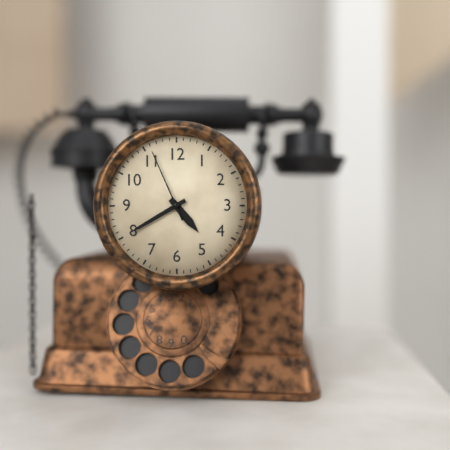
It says 4.40.56
